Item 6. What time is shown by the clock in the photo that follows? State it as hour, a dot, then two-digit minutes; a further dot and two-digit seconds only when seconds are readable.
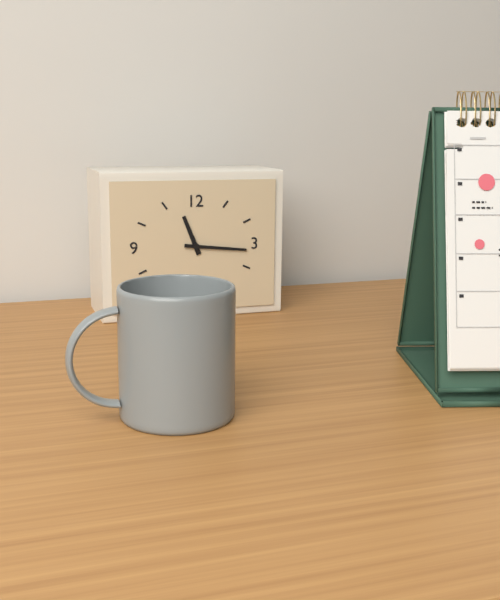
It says 11.16
